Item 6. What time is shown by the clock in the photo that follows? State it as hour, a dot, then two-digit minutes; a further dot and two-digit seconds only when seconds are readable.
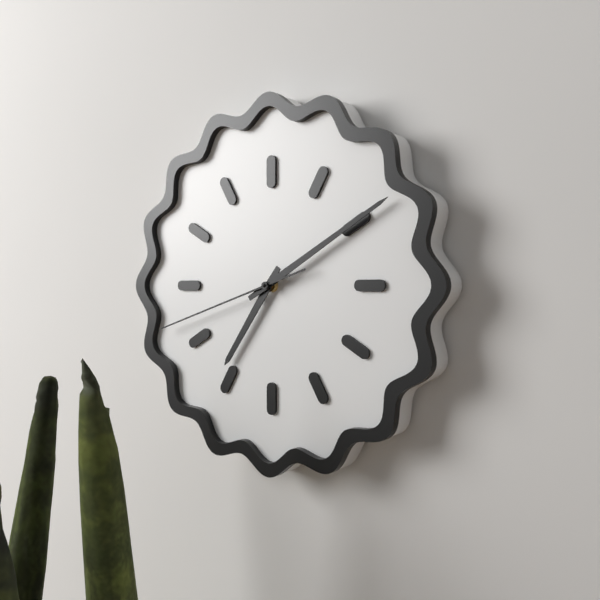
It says 7.10.42
